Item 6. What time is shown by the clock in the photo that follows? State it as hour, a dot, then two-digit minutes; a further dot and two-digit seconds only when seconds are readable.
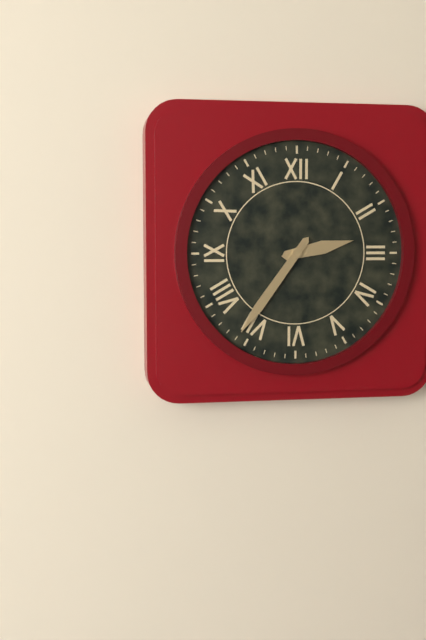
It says 2.36
